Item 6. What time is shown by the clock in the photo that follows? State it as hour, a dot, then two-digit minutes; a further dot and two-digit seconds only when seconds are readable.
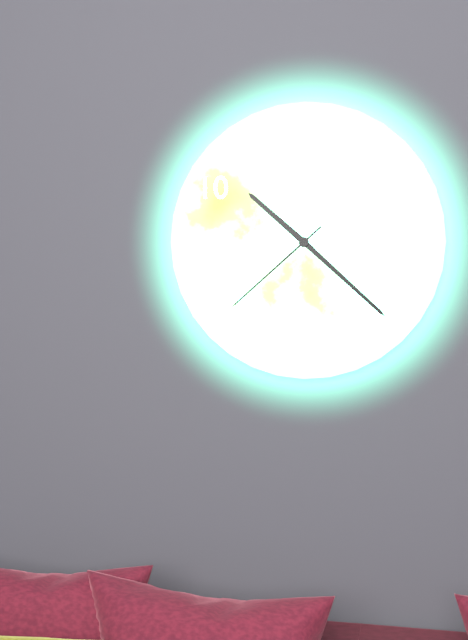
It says 10.22.38
